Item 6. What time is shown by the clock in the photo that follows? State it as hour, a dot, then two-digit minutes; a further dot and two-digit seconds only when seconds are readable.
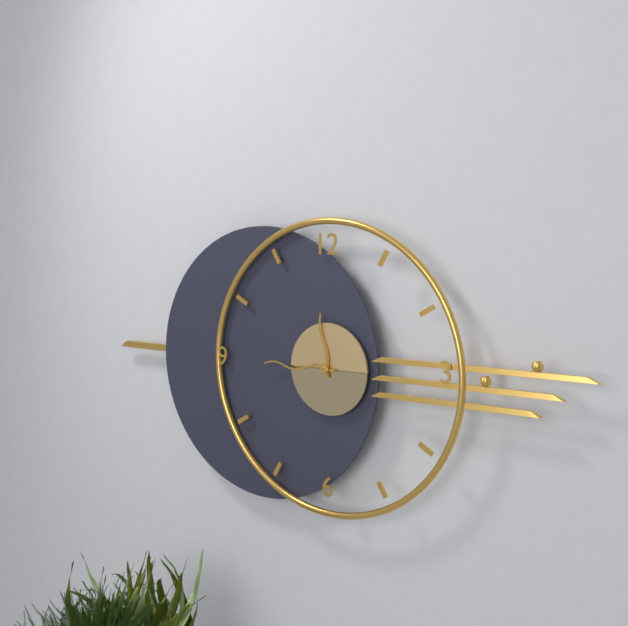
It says 11.45
